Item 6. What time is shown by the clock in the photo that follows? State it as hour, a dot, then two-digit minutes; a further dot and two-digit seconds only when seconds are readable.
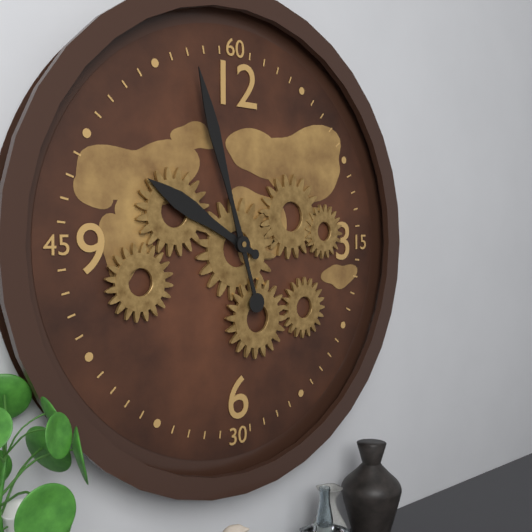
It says 9.57
